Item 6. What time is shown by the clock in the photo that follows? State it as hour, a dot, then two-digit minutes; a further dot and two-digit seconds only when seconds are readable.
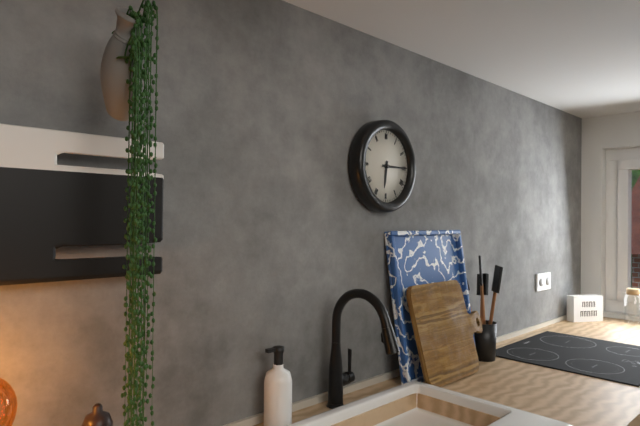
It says 6.15
